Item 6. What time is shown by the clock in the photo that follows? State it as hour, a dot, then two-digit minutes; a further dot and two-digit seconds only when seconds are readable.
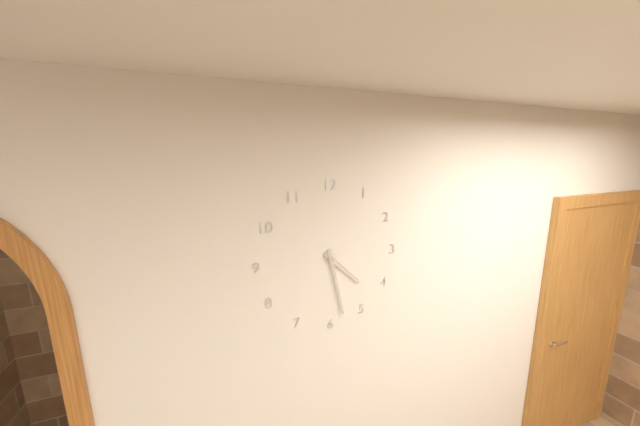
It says 4.28
